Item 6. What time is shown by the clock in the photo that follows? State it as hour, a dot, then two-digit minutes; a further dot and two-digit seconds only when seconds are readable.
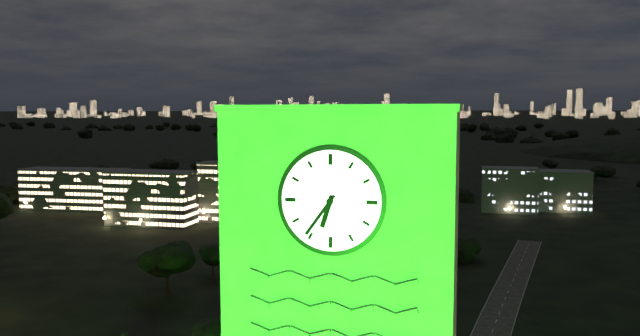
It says 6.36
